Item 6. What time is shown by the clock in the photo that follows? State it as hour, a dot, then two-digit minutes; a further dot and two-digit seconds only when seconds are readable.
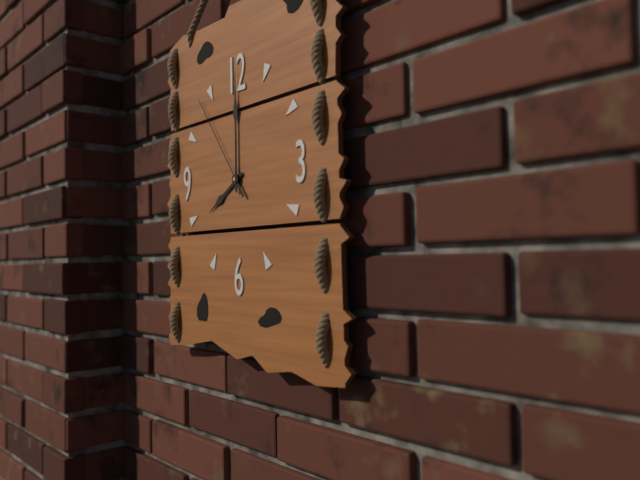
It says 8.00.54
